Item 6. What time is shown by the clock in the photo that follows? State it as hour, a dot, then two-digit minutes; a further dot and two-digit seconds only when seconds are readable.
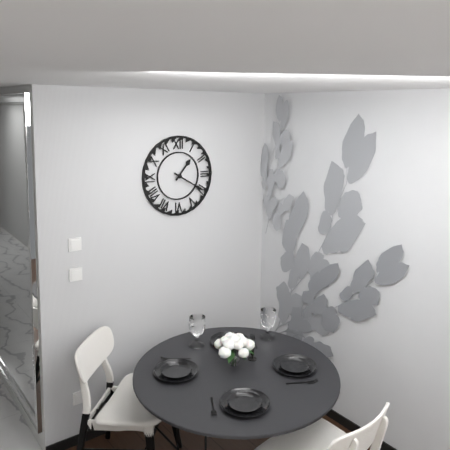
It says 1.20
